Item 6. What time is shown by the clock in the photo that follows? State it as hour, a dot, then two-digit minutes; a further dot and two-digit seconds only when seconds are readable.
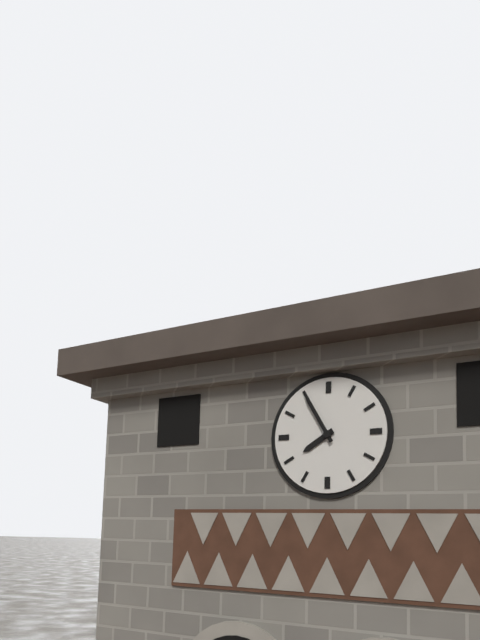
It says 7.55
